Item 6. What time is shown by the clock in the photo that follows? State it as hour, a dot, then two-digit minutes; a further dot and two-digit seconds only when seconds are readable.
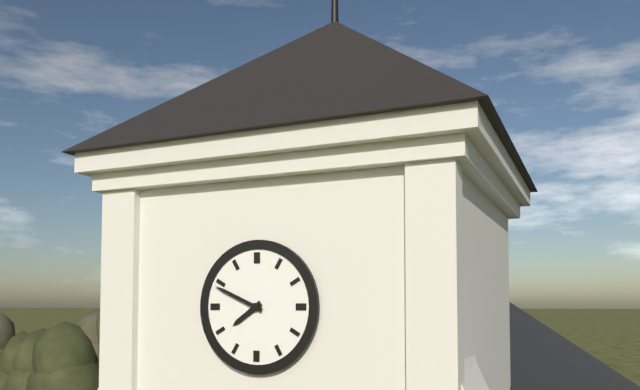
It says 7.49
